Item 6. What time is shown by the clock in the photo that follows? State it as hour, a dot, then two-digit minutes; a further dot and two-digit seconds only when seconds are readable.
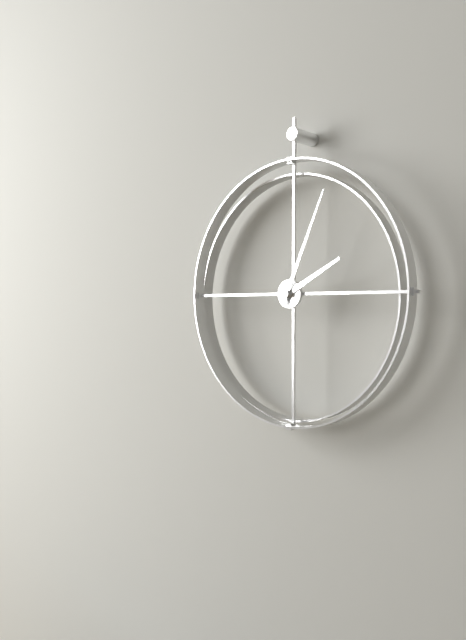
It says 2.04
